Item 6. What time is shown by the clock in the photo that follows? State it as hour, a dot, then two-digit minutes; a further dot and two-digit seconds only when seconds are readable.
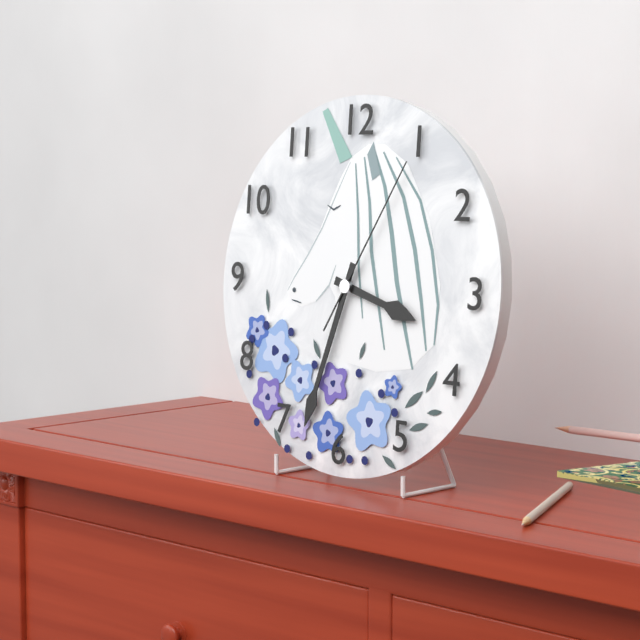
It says 3.33.05
